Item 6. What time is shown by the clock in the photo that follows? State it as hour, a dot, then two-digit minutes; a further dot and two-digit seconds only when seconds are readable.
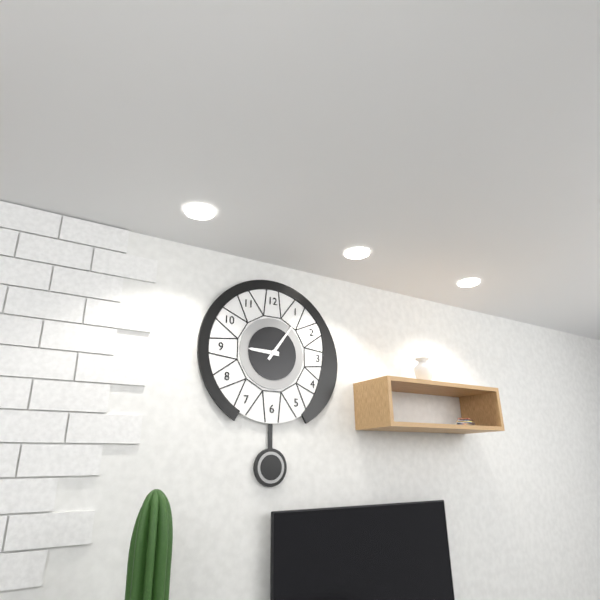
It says 9.06
